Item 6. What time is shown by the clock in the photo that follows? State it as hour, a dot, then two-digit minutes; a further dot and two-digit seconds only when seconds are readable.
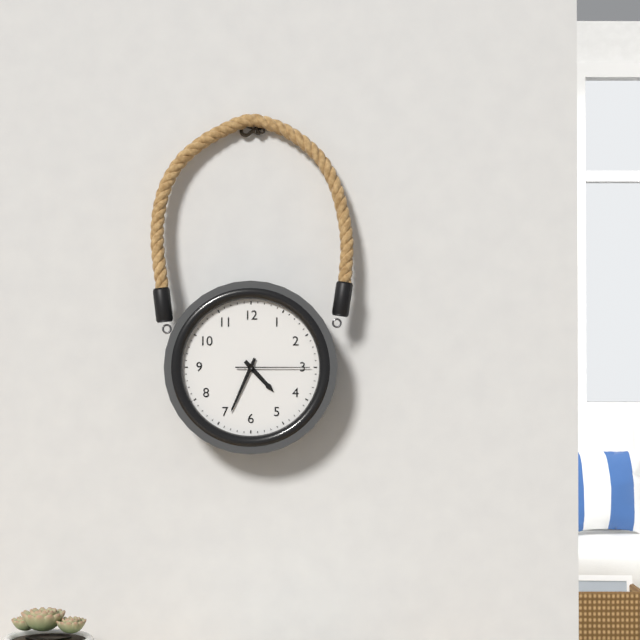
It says 4.34.15
